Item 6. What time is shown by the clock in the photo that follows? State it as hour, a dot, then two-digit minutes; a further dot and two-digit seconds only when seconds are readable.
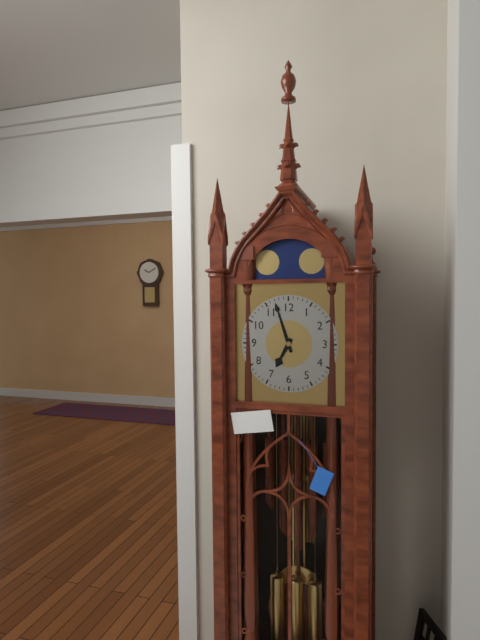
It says 6.57
